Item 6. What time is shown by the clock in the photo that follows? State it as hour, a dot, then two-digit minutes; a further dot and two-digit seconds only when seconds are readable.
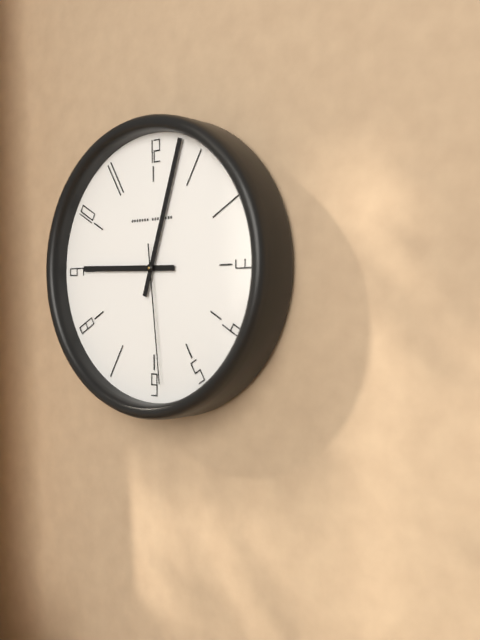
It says 9.03.29
